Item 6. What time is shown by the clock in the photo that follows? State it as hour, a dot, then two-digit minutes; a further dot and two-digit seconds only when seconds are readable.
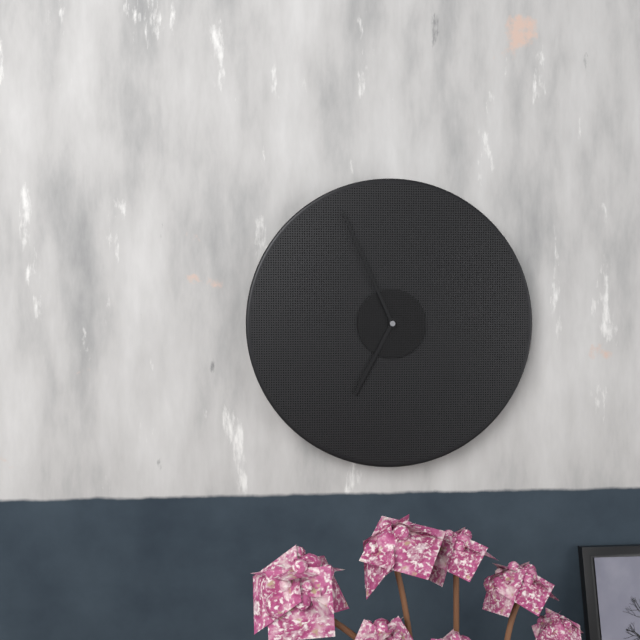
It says 6.56
